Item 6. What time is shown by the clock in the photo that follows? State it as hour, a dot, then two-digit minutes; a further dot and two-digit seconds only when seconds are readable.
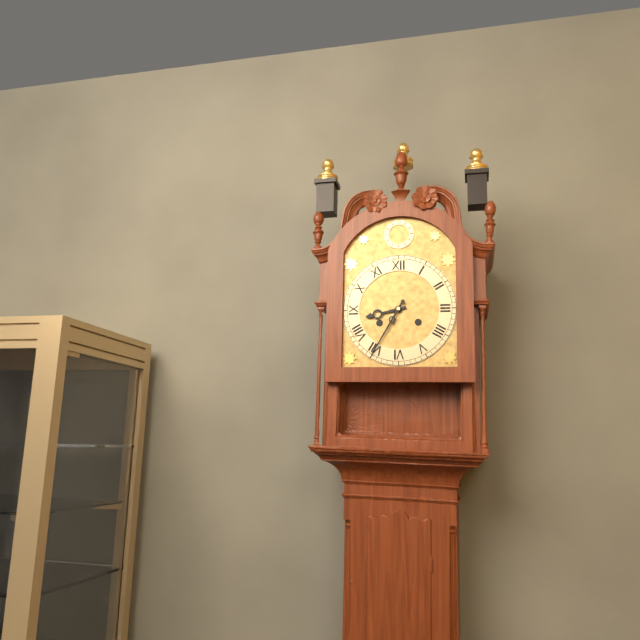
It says 8.35
